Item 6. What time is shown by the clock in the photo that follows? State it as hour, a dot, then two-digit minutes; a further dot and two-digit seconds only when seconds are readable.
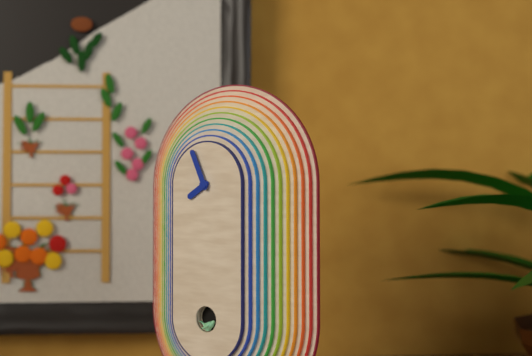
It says 7.56
